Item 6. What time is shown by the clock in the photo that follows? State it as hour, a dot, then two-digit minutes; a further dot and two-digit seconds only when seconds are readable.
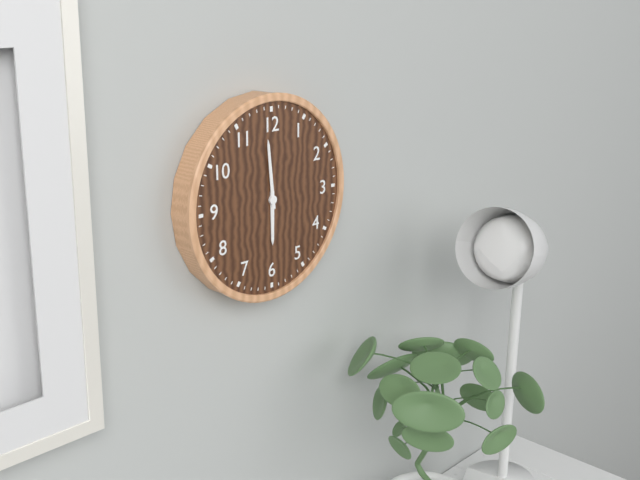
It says 5.59
